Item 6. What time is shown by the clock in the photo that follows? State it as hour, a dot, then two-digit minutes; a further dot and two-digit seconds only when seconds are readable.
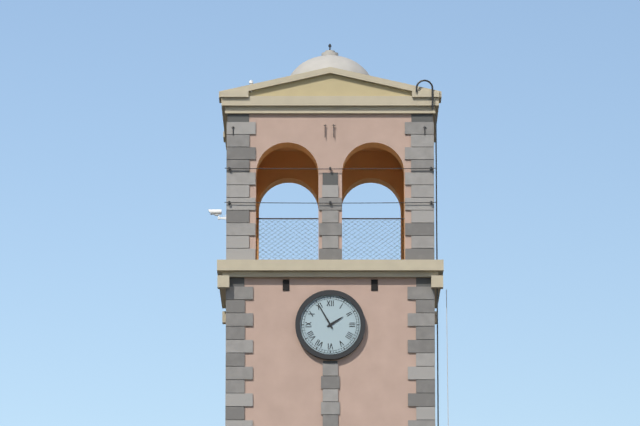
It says 1.55
